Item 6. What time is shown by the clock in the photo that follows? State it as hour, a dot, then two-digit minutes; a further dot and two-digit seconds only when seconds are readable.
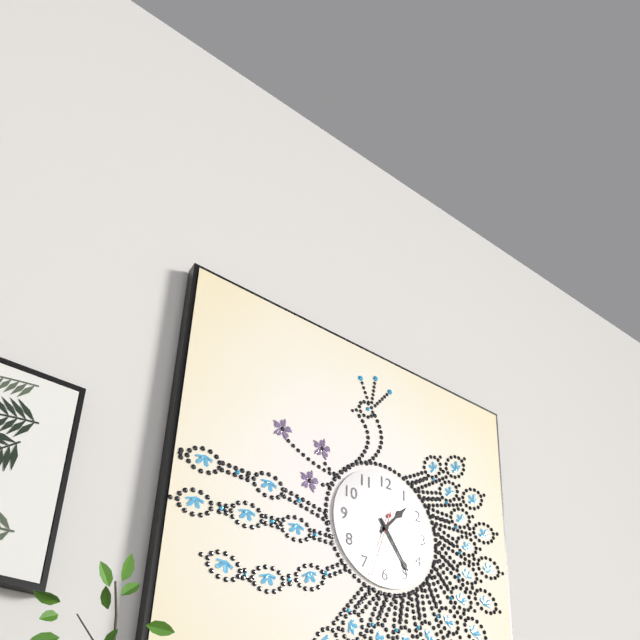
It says 1.24.33
